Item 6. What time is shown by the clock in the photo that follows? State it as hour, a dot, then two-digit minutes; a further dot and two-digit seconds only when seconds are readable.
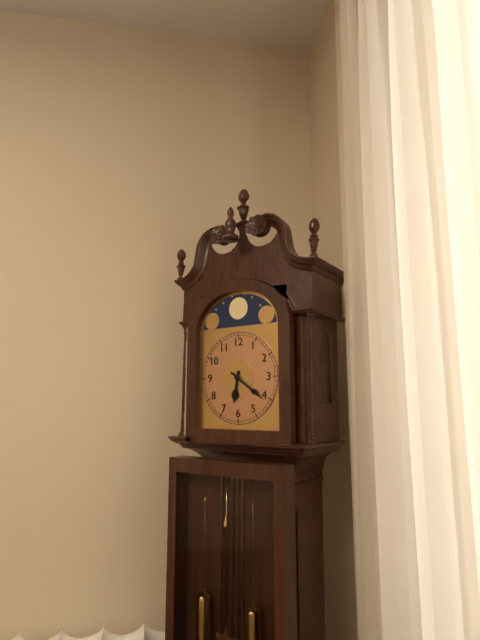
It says 6.21
